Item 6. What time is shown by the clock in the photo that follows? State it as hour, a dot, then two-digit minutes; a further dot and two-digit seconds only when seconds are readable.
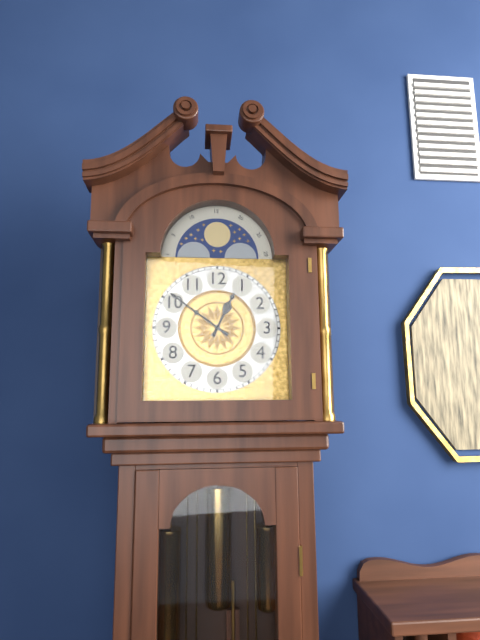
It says 12.51
